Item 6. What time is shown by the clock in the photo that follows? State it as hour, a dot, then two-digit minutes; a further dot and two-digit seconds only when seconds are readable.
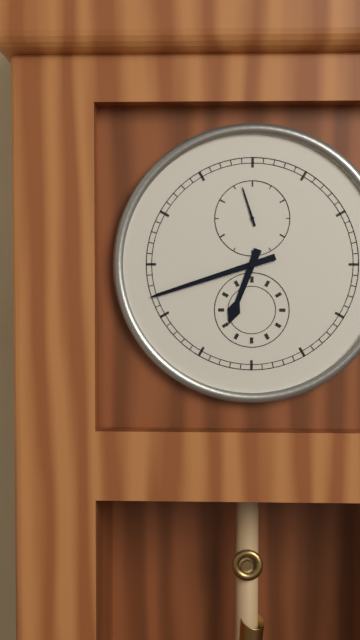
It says 6.42
